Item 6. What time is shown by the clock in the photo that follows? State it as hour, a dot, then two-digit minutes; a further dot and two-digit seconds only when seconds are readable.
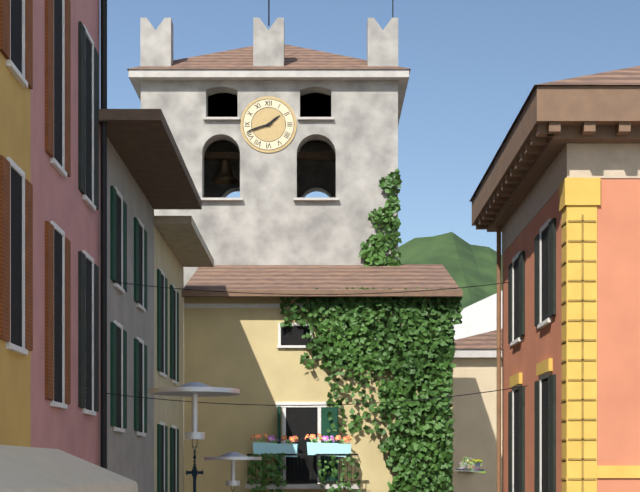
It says 1.42
